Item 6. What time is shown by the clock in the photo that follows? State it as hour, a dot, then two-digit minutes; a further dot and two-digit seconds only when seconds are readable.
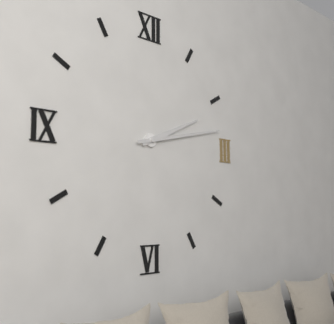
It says 2.13
